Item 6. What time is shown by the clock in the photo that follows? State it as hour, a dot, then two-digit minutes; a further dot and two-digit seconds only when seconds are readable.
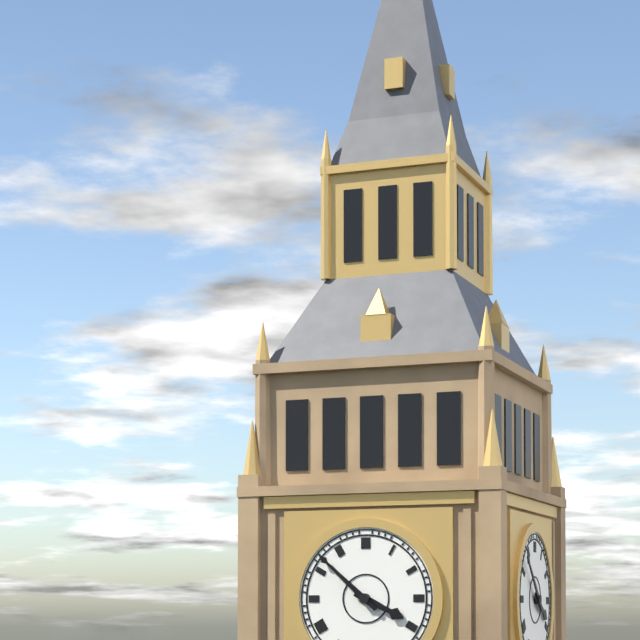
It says 3.52
